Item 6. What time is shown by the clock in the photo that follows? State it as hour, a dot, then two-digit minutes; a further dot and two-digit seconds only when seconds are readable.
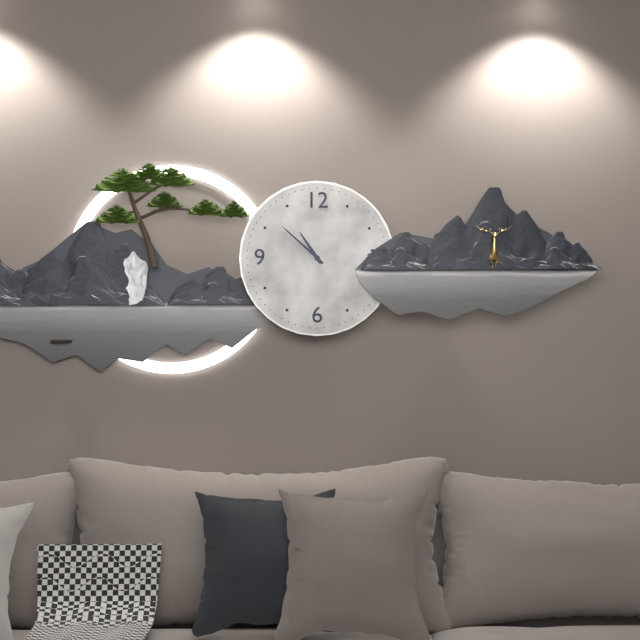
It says 10.52
